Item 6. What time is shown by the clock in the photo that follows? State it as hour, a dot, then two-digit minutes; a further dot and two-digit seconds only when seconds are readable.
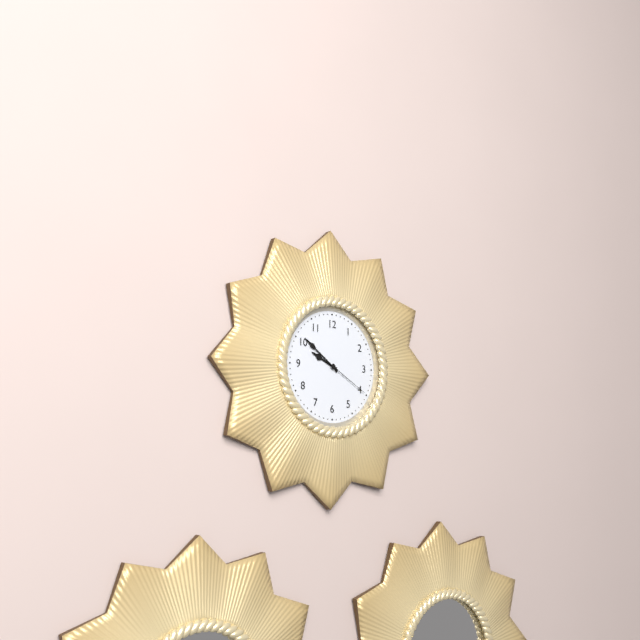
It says 9.51.20
